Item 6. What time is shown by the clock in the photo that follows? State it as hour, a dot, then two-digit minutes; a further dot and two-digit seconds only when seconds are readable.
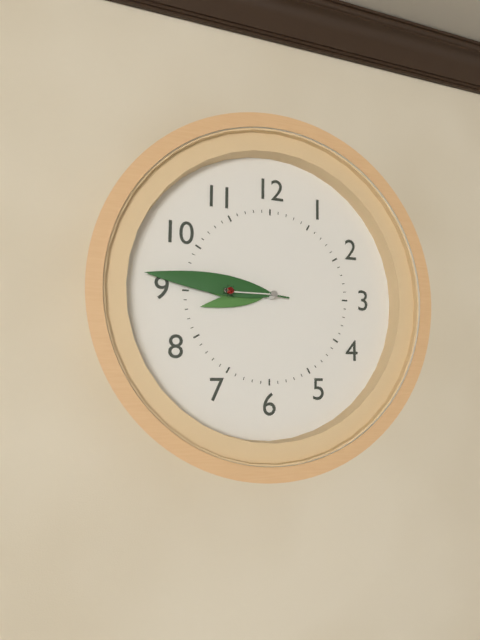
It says 8.46.45
